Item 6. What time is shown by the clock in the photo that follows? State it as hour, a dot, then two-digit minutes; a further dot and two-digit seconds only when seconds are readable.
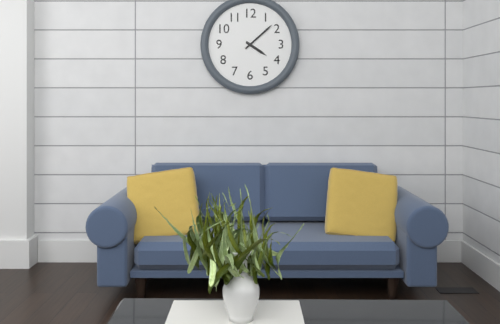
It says 4.08
